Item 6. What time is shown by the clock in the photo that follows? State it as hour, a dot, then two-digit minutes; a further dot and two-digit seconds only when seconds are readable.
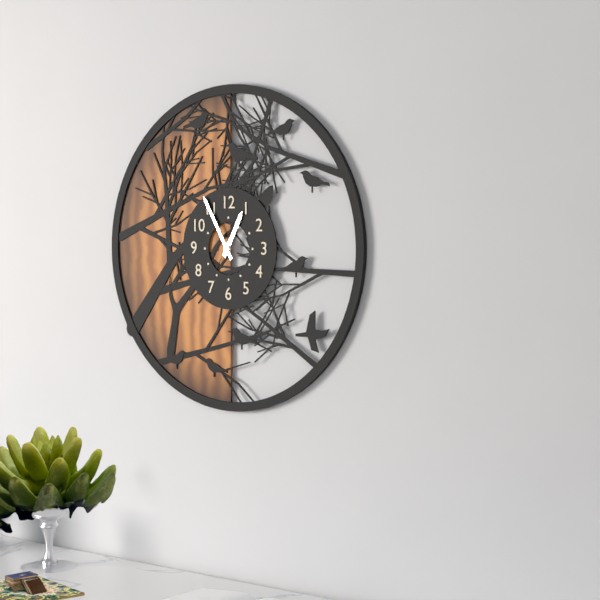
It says 12.55
